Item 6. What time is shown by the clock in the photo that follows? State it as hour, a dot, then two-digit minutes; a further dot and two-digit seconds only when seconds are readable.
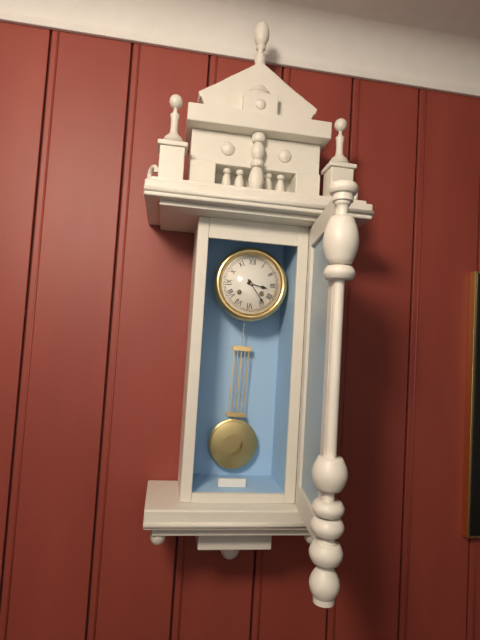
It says 3.24
